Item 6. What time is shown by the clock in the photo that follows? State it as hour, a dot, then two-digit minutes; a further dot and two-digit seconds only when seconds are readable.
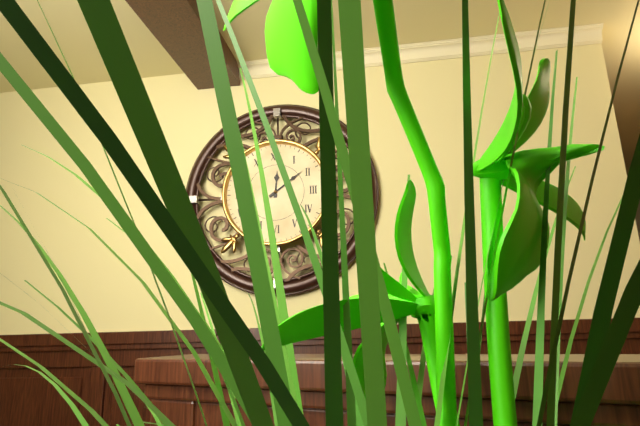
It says 12.09
